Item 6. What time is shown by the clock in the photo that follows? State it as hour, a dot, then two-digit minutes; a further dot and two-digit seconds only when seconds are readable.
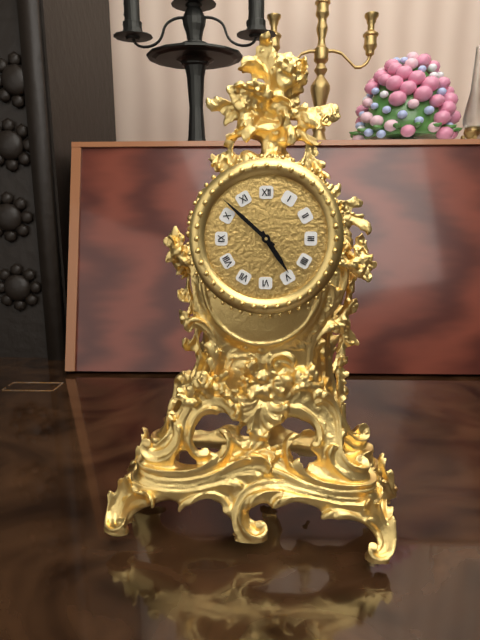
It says 4.52
